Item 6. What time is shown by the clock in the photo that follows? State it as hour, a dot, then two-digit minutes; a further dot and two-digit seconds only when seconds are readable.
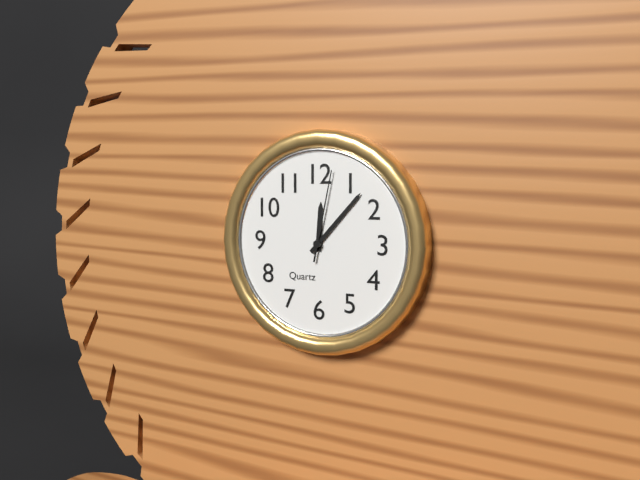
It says 12.07.02
